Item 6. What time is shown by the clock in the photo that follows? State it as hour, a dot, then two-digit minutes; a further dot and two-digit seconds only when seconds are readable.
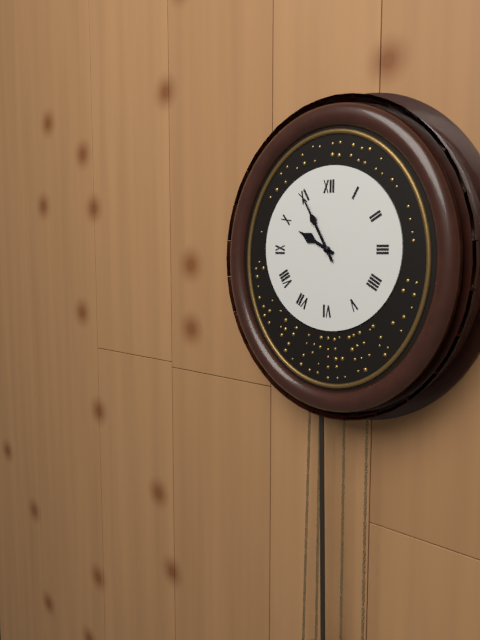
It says 9.55
